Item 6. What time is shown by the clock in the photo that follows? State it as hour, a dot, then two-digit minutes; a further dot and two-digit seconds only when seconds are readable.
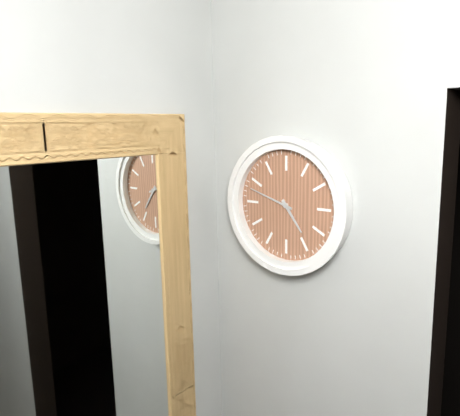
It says 4.48
